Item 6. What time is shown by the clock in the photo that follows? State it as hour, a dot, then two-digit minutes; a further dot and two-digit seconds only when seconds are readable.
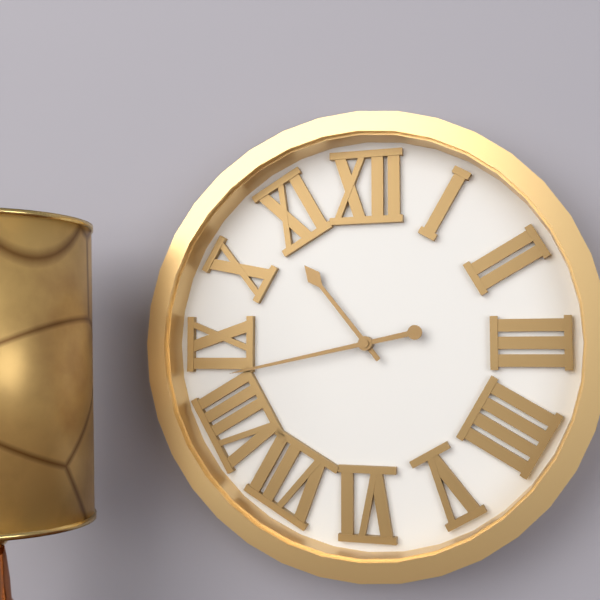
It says 10.43
